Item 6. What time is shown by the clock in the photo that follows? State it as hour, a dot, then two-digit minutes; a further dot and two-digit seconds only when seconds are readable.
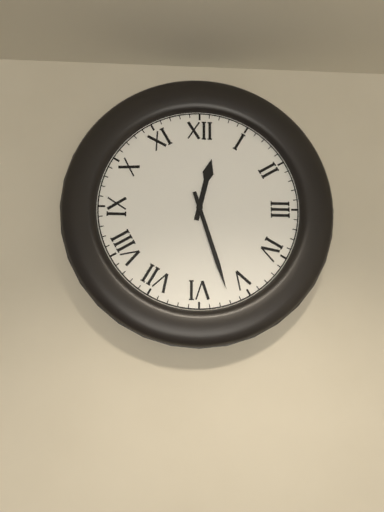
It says 12.27
